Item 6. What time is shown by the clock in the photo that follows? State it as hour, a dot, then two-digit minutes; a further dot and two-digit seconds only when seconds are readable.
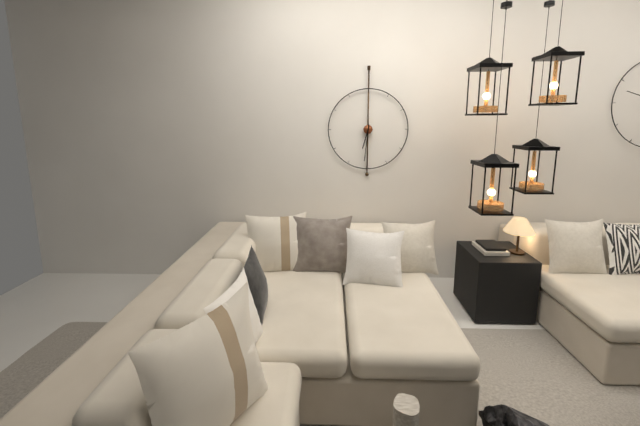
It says 6.31
